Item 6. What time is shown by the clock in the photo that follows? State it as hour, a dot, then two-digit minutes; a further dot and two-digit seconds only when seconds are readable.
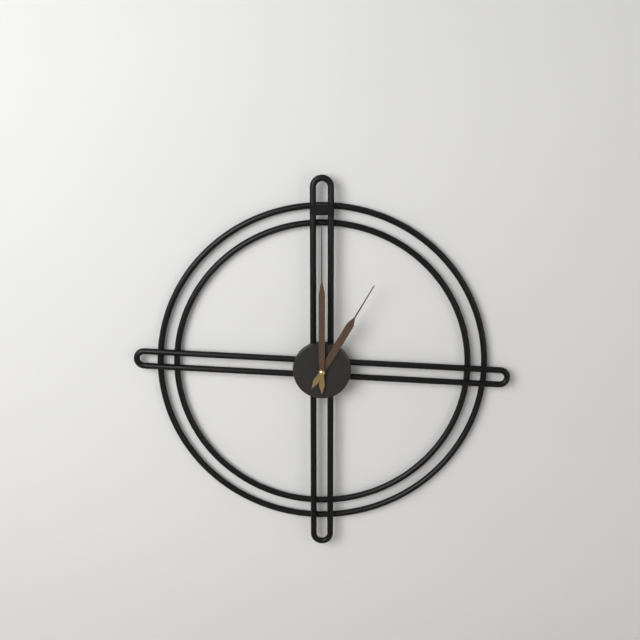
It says 1.00
